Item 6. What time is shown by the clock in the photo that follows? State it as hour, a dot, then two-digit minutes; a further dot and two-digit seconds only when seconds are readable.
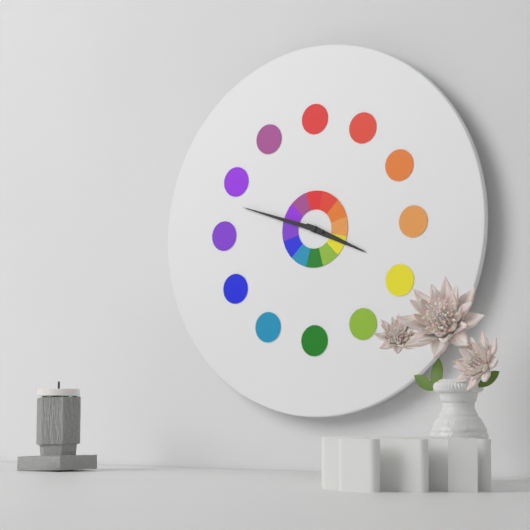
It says 3.48
